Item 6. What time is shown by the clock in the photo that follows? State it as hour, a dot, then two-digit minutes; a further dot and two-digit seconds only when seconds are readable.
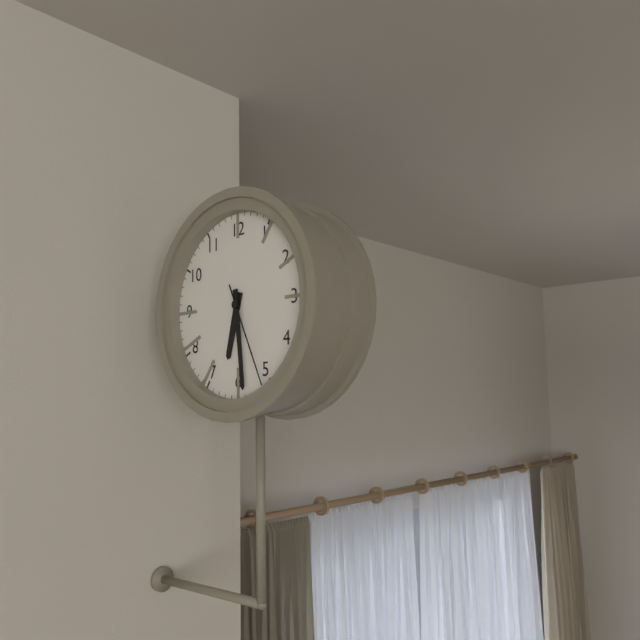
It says 6.29.26
